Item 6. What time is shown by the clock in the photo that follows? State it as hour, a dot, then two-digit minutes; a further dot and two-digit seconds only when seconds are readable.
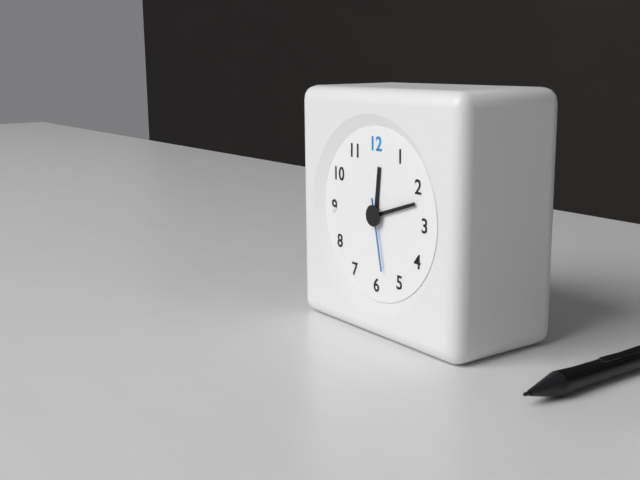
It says 12.12.28
